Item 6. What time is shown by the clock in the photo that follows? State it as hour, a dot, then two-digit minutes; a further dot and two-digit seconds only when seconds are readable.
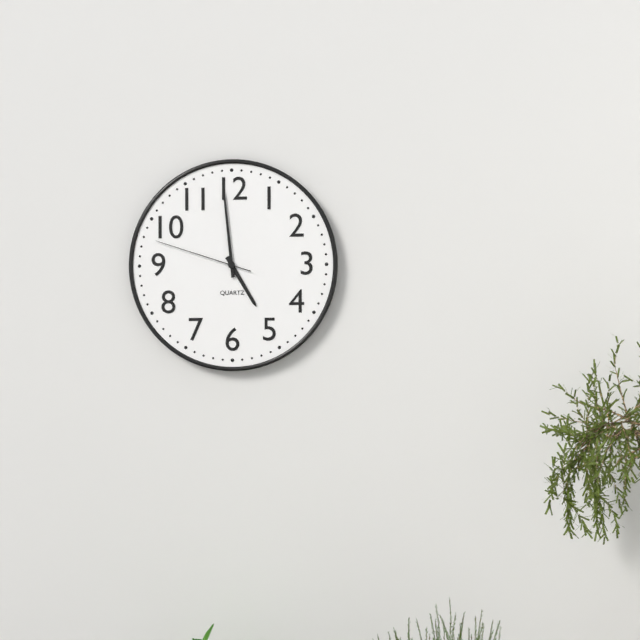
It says 4.59.48
